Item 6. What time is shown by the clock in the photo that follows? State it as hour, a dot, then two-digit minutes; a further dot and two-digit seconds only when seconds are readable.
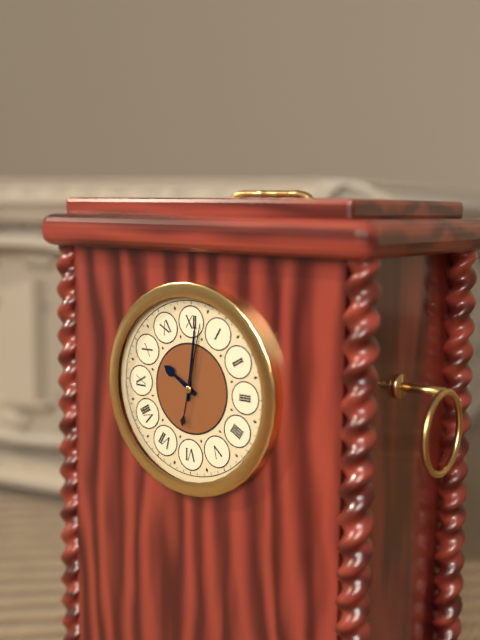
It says 10.01.02
